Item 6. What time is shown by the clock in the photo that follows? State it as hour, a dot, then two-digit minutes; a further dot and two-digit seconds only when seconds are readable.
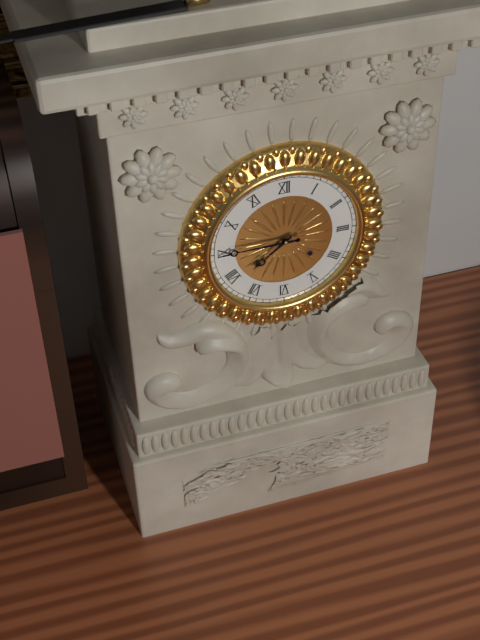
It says 7.45
